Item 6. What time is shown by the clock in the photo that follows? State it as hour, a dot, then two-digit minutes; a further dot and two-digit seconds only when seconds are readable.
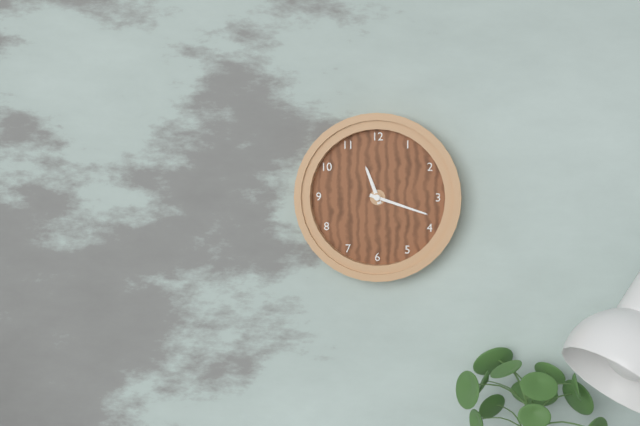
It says 11.18
